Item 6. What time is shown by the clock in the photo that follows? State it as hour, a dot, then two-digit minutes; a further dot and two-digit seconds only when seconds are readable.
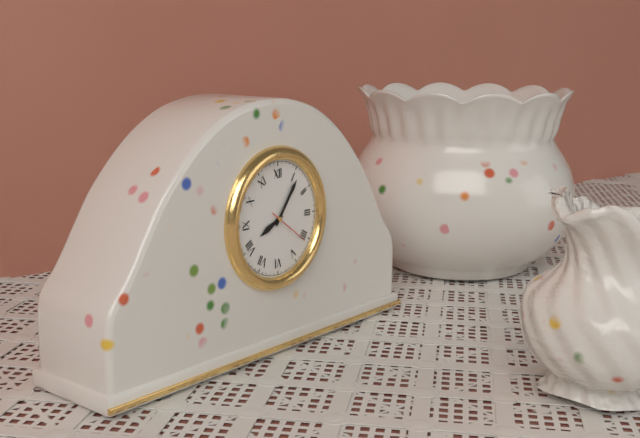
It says 8.06
